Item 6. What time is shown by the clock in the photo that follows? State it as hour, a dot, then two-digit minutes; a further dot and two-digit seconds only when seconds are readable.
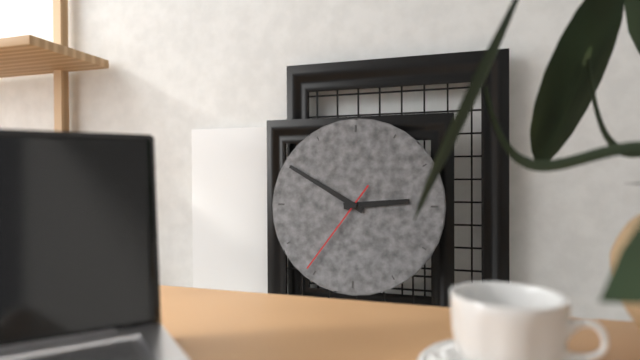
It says 2.50.36
